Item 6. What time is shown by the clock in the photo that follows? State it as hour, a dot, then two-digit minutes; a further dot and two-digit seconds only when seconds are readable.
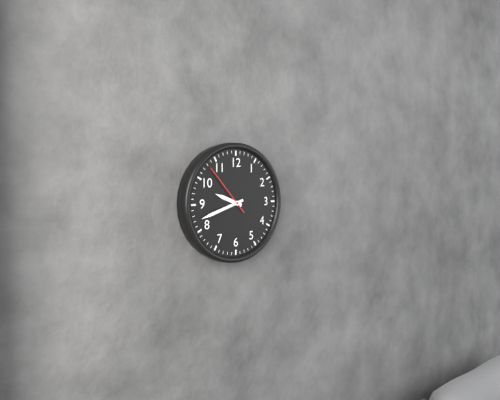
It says 9.42.53
